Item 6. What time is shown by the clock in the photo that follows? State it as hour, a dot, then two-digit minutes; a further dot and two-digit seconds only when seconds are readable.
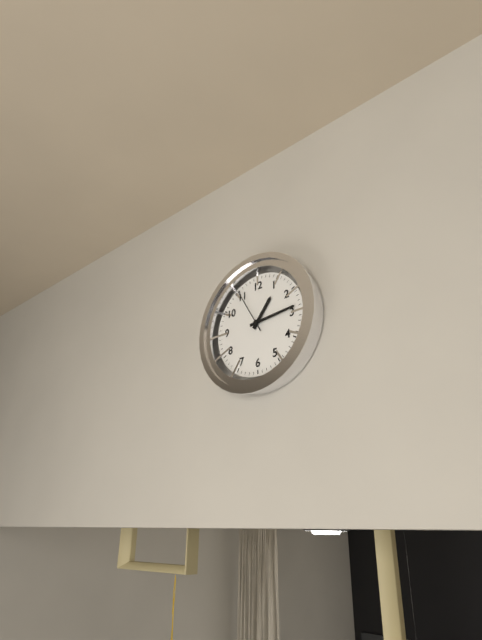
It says 1.14
